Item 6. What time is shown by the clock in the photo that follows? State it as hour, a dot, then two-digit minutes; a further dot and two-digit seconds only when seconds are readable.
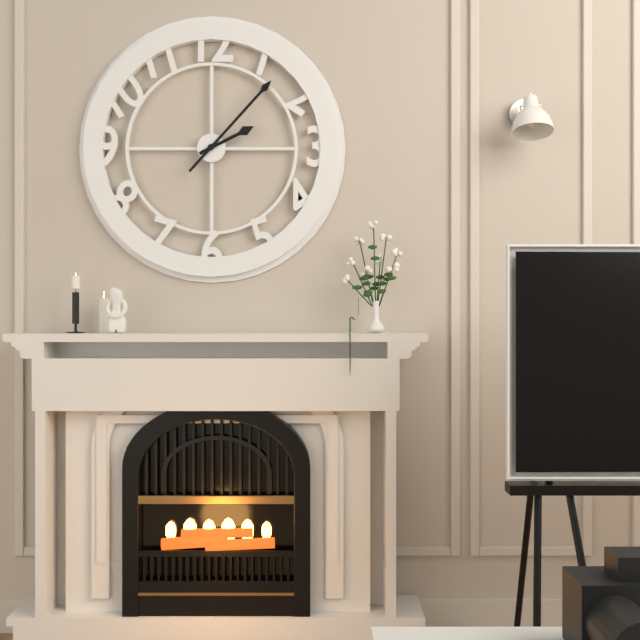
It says 2.07
